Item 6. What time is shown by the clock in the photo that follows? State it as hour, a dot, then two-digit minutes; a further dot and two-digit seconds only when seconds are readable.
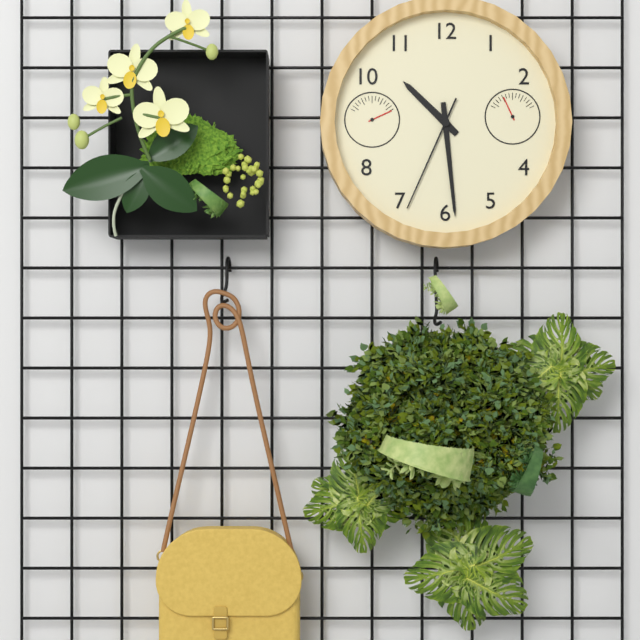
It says 10.29.34
